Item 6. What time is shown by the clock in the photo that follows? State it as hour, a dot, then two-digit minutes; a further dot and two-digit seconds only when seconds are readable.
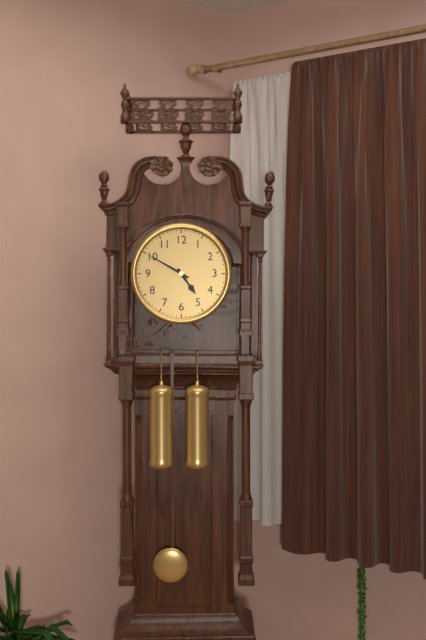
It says 4.50
